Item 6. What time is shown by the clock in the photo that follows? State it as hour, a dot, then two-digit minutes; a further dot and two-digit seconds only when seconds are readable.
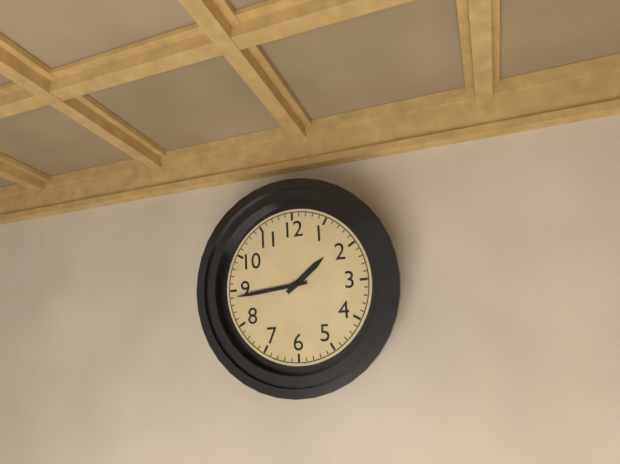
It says 1.44
